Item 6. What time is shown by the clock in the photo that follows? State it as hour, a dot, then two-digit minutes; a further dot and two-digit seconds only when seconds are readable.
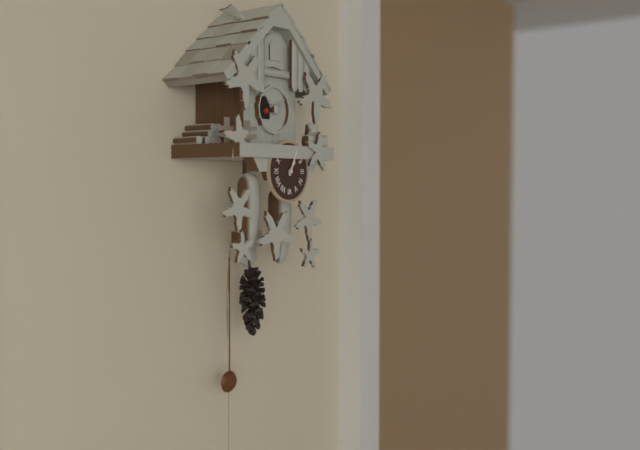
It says 1.04
